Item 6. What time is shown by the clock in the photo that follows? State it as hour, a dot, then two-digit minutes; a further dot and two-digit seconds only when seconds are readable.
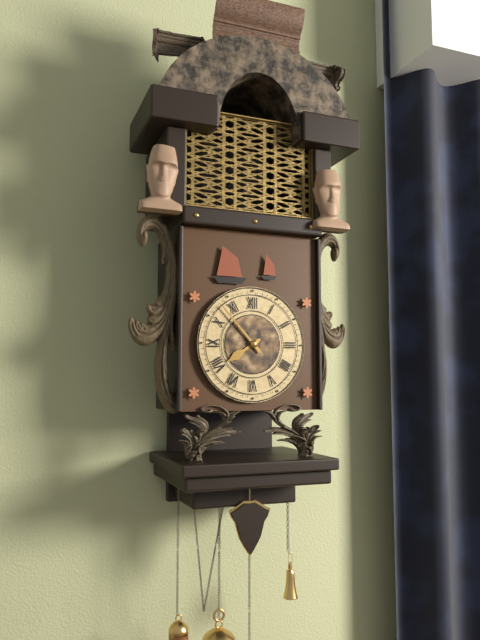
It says 7.53
